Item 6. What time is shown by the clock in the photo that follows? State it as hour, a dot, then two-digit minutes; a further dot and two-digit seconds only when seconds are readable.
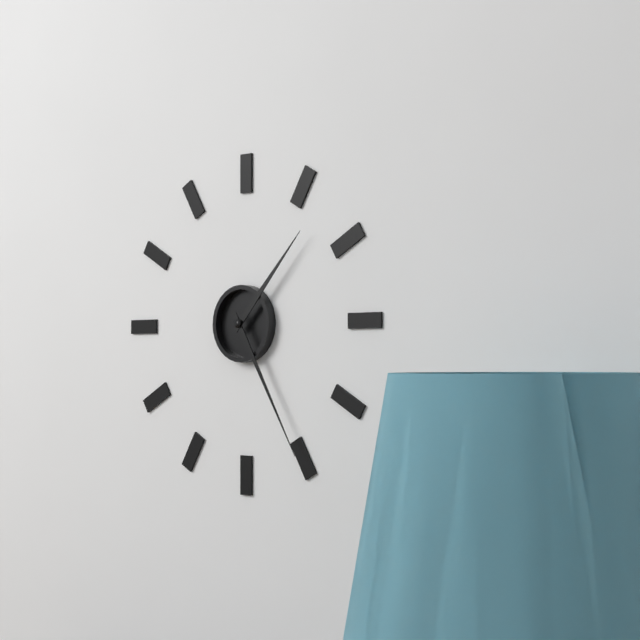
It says 1.25
